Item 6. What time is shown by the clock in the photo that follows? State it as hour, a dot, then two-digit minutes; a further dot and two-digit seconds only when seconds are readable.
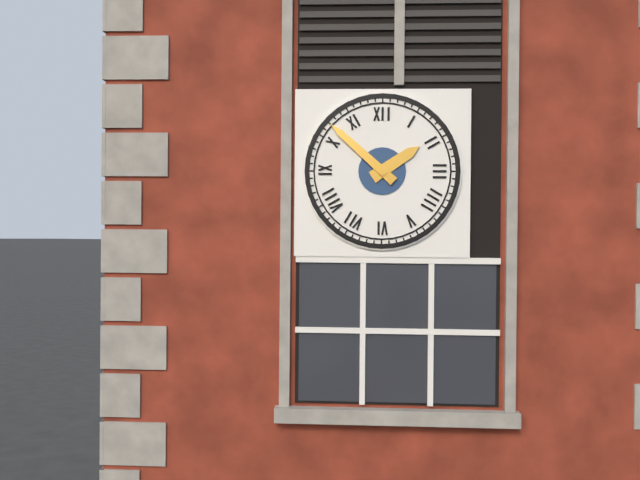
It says 1.52
